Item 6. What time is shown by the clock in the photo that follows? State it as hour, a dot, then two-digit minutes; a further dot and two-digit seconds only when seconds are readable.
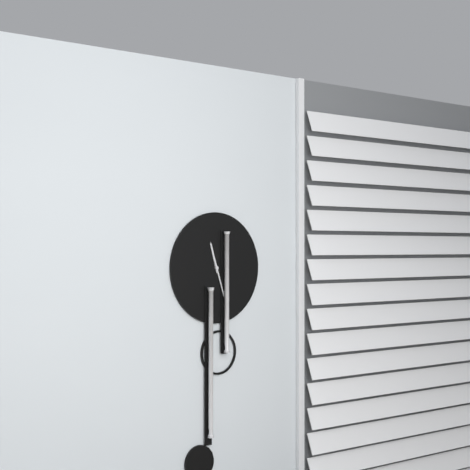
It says 11.27
